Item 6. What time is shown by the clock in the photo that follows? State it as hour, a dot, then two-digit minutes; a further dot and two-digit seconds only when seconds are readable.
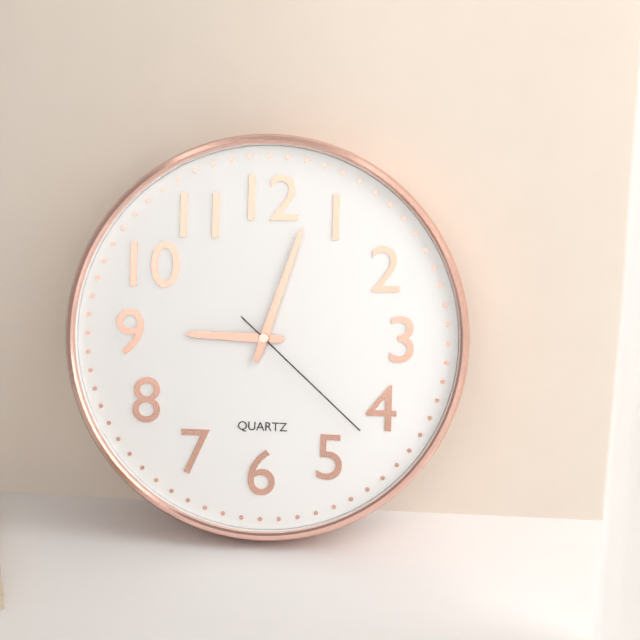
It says 9.03.22
